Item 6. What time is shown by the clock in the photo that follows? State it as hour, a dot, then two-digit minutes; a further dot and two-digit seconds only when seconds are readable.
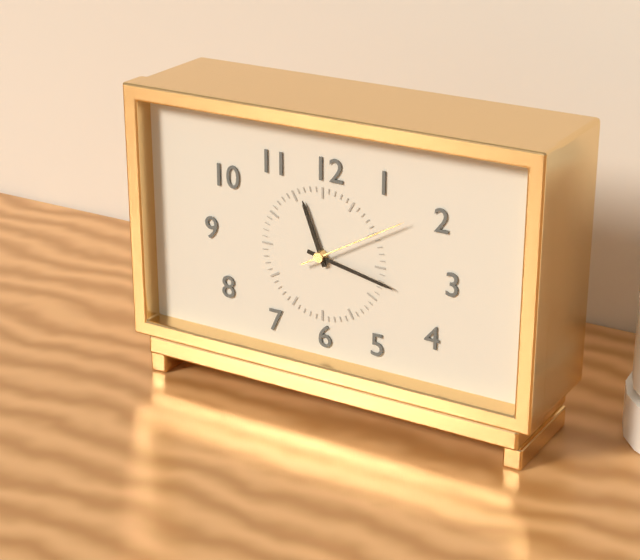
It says 11.17.10
